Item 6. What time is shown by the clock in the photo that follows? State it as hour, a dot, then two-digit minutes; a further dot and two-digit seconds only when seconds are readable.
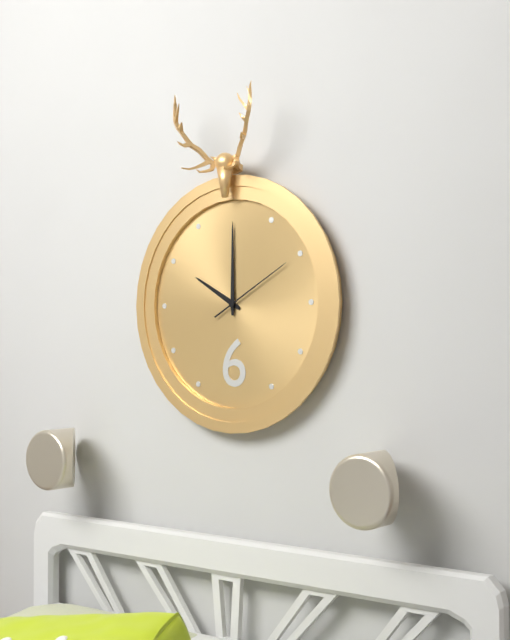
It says 10.00.10
